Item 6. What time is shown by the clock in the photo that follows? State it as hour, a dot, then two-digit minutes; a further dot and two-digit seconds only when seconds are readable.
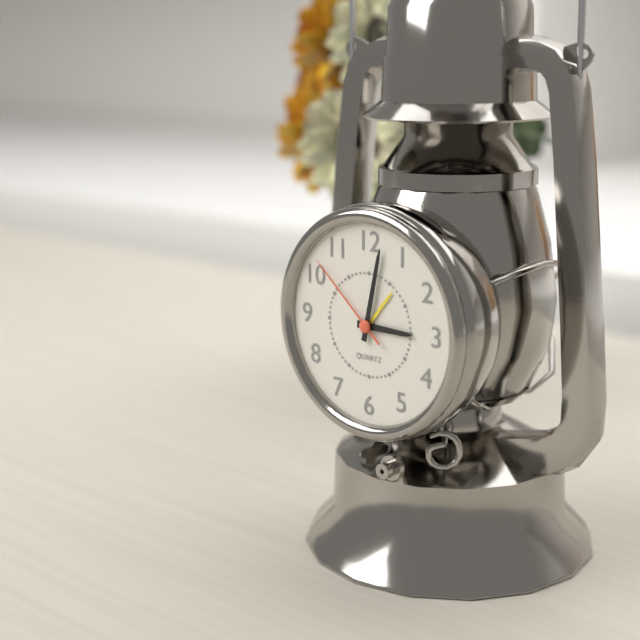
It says 3.02.52
